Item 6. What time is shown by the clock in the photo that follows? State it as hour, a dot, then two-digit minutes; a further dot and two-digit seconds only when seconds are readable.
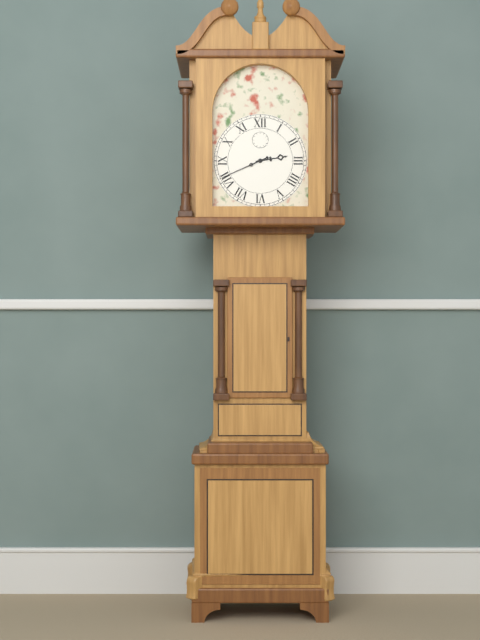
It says 2.41
